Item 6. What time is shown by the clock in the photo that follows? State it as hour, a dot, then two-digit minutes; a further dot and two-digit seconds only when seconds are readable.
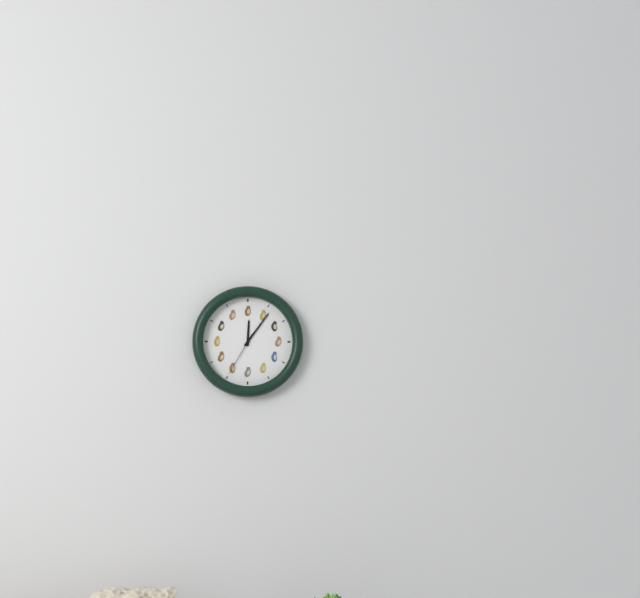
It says 12.06
